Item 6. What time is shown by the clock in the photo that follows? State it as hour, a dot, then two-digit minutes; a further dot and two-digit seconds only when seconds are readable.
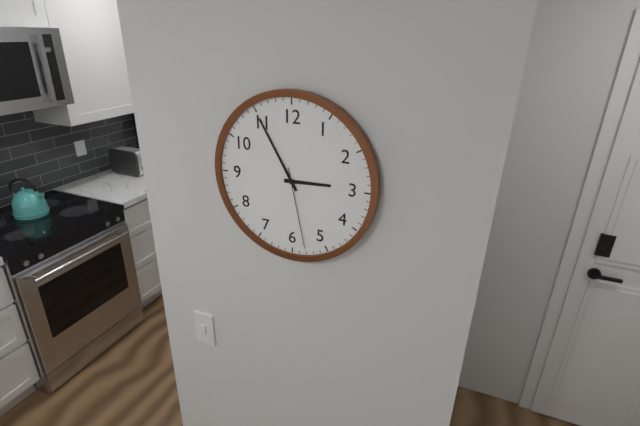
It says 2.55.28
